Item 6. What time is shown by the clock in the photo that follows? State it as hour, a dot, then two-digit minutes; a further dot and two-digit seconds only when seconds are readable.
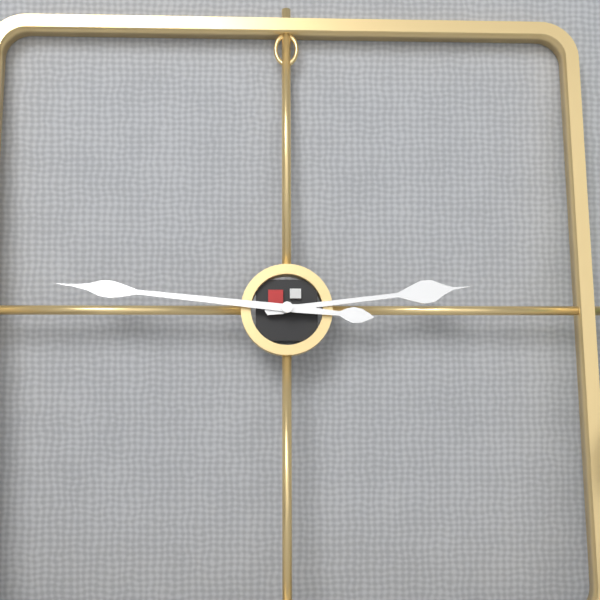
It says 2.46
